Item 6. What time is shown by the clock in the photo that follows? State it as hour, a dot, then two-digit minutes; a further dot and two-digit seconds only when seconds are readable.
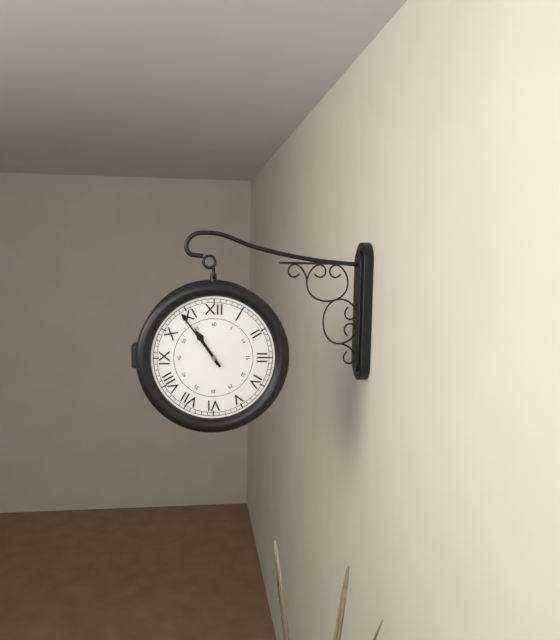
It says 10.54
